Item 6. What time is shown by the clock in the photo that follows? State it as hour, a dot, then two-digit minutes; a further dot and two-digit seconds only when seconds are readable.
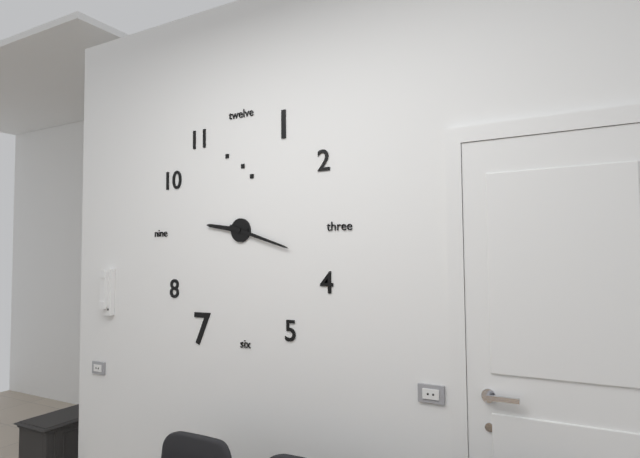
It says 9.18
